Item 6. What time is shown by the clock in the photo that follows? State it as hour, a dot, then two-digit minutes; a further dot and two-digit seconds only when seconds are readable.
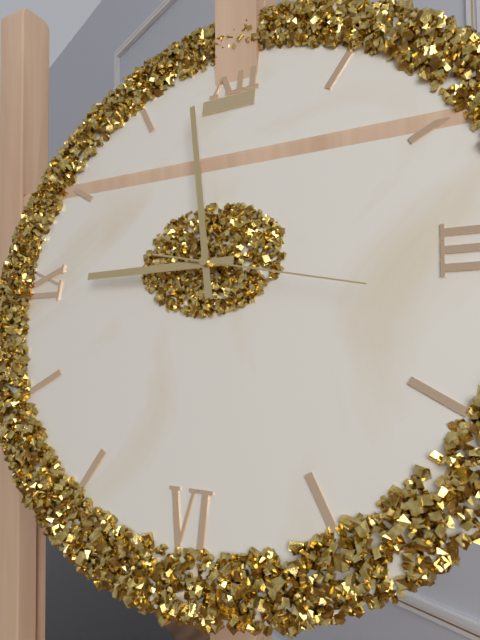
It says 8.58.17
